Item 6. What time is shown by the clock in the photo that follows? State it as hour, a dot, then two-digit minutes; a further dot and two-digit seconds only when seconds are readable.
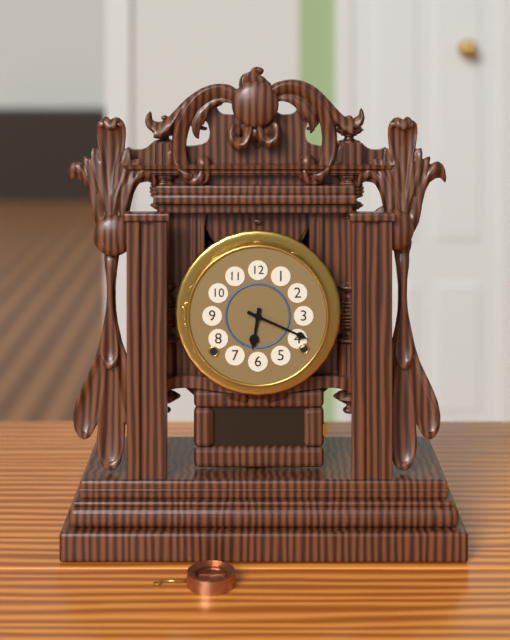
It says 6.19
